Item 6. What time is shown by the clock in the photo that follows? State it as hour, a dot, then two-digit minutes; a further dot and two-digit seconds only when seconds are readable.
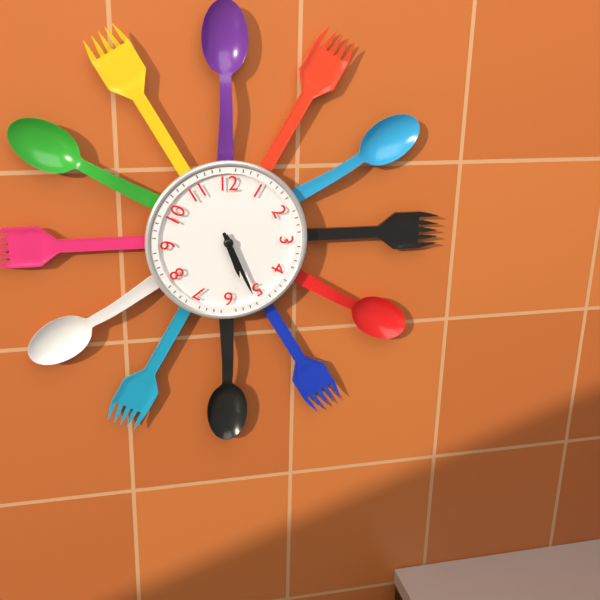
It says 5.26
